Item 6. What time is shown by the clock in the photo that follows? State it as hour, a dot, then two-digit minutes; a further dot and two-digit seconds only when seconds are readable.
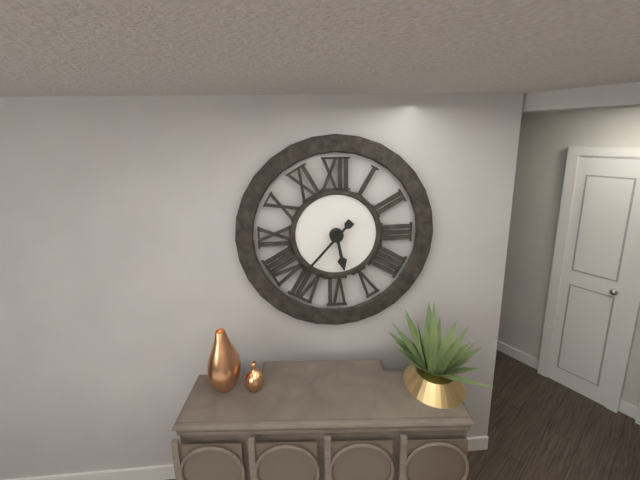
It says 5.37
